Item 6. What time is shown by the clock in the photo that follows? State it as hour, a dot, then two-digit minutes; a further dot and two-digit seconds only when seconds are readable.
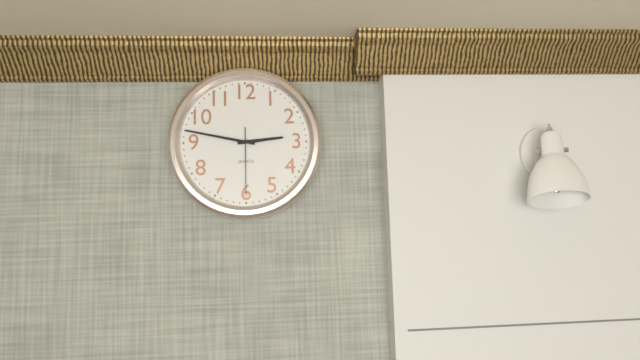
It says 2.47.30
